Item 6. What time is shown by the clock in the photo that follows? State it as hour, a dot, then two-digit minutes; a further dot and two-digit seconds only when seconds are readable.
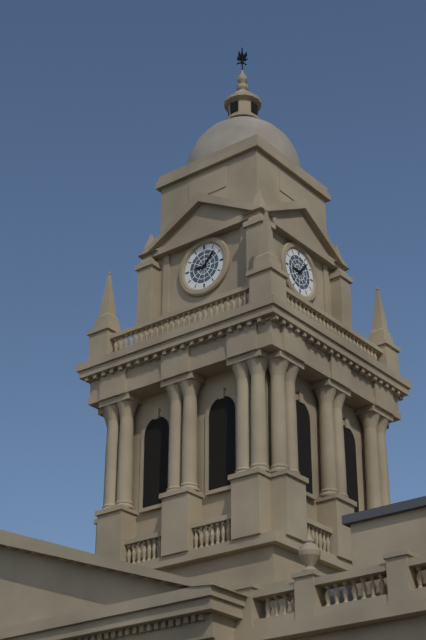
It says 9.07
